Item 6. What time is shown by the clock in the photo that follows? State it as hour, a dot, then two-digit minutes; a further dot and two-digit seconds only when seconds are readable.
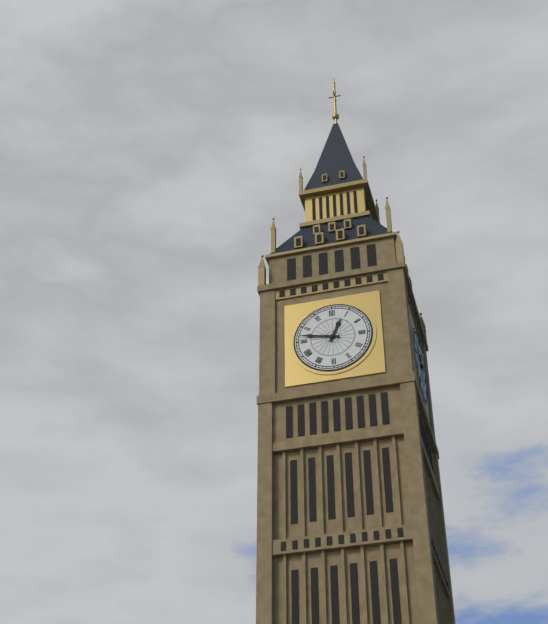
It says 12.47
